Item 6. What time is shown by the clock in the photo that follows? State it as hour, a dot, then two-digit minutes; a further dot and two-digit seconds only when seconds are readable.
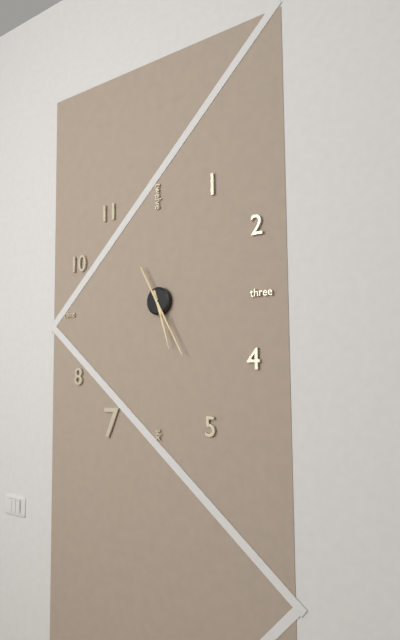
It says 5.25
